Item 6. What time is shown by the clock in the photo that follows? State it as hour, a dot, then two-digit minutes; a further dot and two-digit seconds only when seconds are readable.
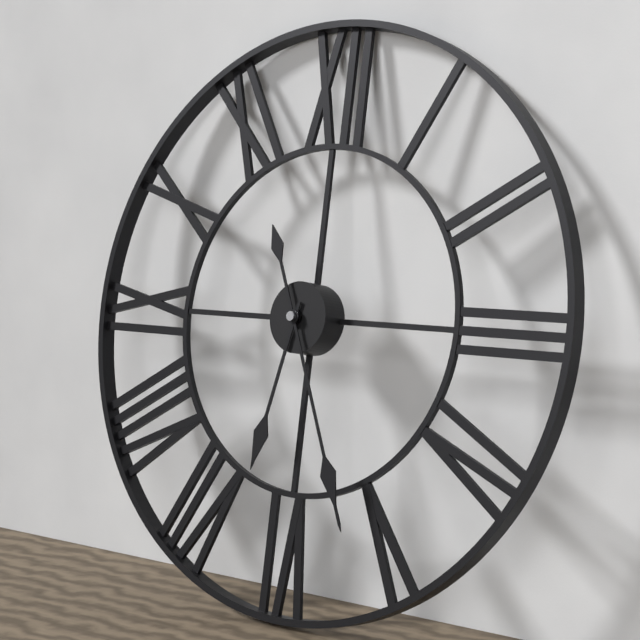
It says 6.26
